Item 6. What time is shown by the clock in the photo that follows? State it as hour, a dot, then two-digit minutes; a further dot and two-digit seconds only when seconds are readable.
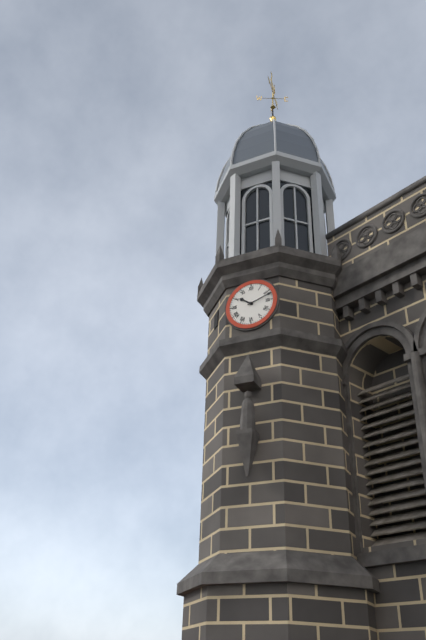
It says 10.12
